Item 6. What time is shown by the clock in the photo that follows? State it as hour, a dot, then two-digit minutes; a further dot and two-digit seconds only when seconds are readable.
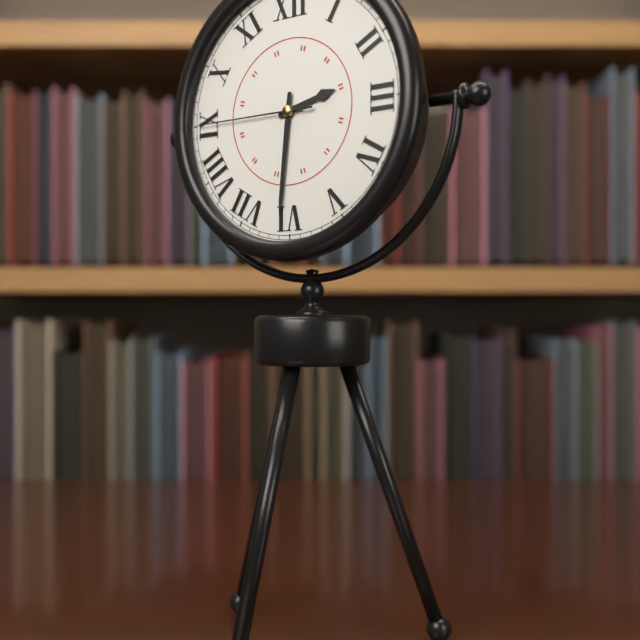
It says 2.31.45
